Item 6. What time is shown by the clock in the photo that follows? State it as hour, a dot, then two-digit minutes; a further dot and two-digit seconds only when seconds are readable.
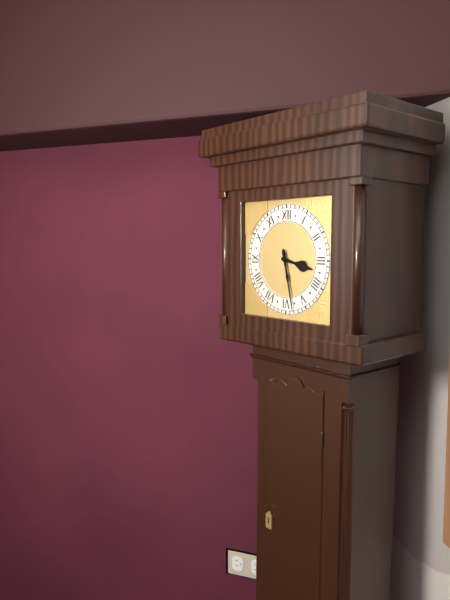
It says 3.28
